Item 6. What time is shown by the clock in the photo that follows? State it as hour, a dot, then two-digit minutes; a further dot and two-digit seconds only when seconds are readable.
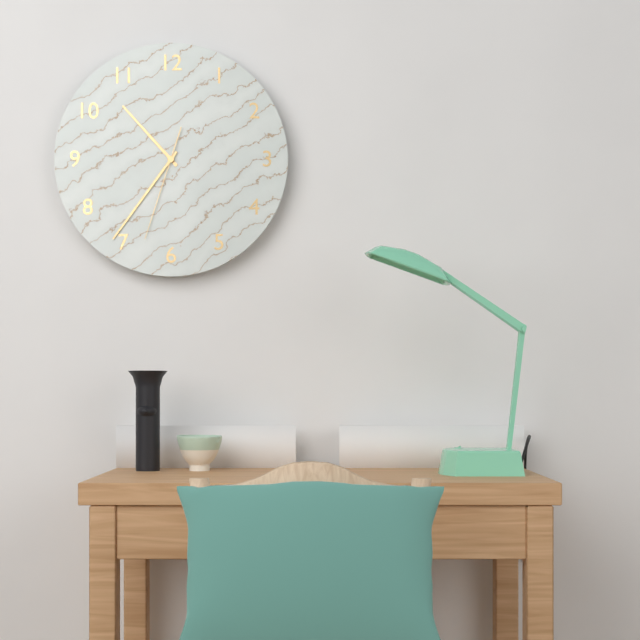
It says 10.36.33
